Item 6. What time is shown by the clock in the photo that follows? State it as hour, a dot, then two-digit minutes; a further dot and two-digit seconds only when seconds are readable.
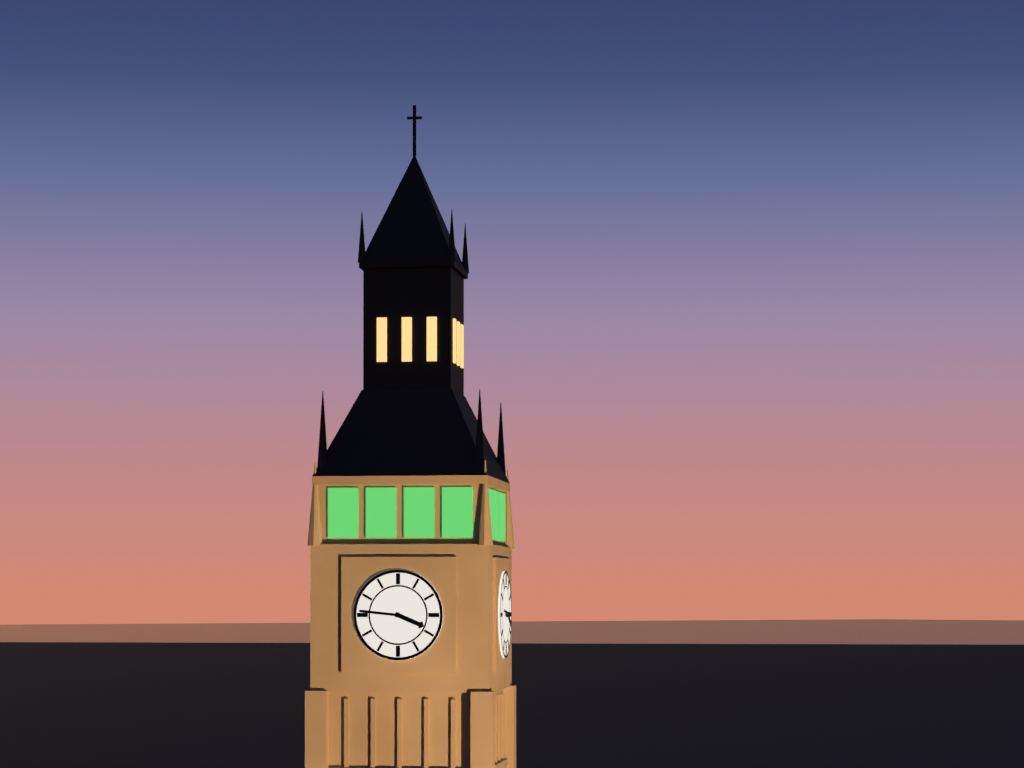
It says 3.46
